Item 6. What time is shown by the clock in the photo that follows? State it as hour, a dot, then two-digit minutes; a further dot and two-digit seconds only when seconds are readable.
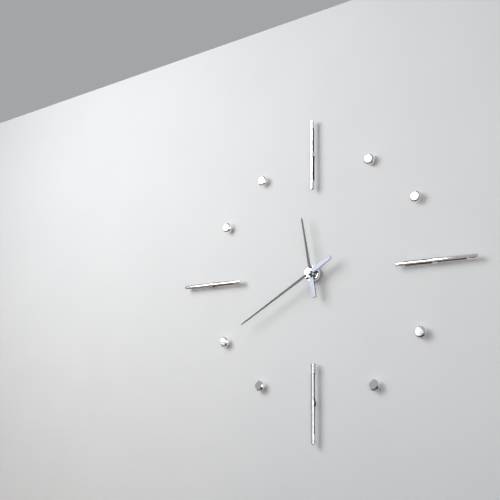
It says 11.40
